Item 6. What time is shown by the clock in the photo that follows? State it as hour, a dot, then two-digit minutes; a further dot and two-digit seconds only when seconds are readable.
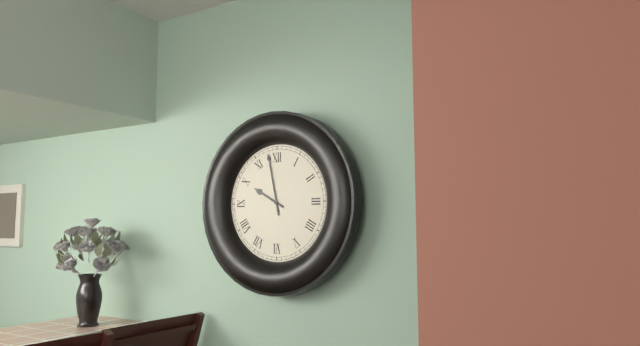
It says 9.58
